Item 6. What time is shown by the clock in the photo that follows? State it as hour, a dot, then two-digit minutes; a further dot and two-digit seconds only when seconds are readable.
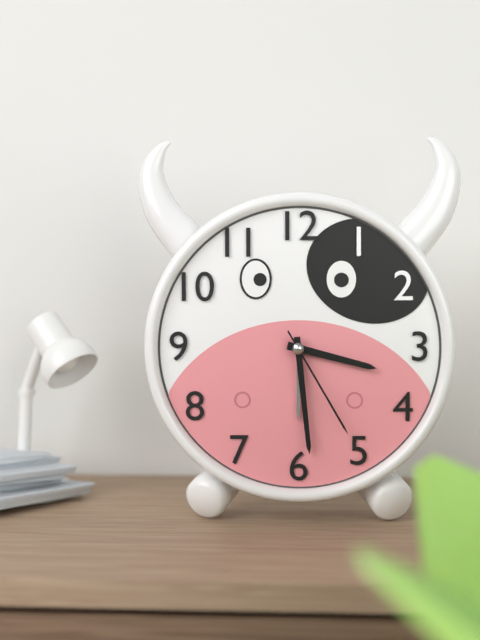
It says 3.29.25
